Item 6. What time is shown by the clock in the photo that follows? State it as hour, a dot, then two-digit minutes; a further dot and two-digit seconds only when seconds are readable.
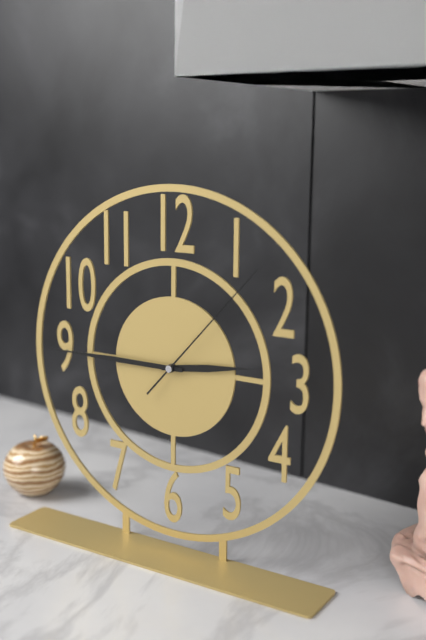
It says 2.45.07
